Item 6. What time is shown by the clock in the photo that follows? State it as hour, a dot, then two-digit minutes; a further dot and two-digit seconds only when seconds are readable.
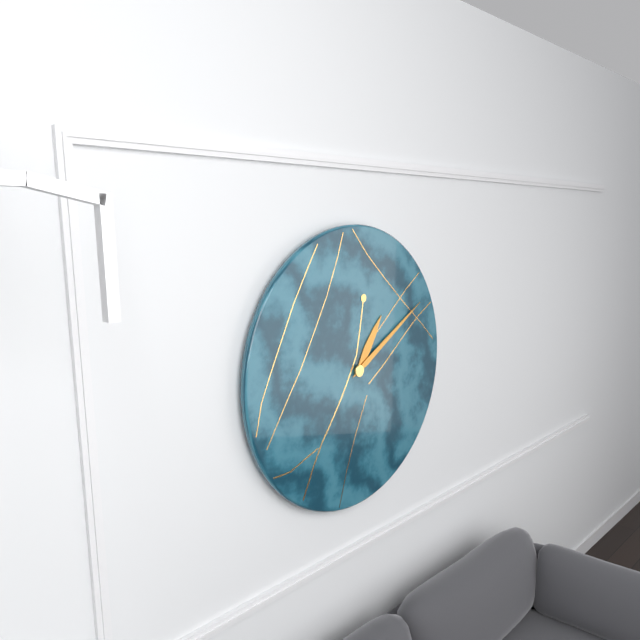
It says 1.10
